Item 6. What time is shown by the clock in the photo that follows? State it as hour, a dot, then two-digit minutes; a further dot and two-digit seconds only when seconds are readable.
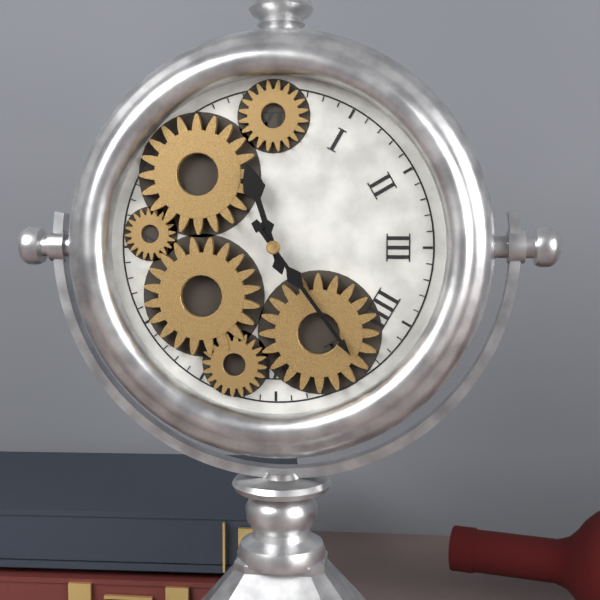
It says 11.24
